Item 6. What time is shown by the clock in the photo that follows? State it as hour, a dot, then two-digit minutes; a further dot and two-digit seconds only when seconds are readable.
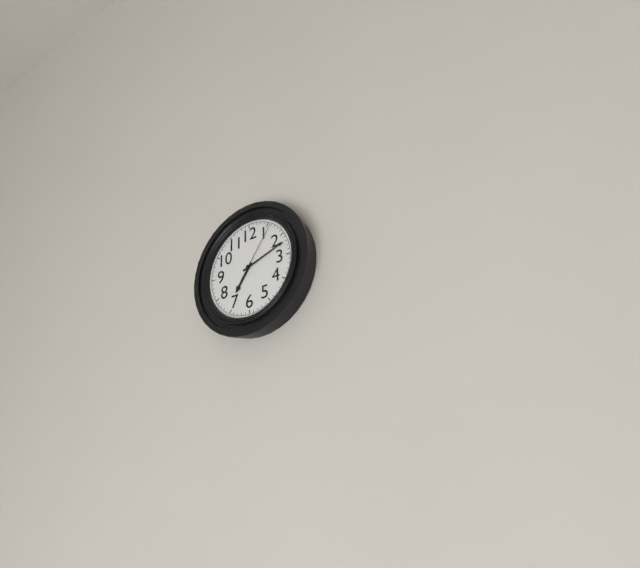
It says 7.12.06
